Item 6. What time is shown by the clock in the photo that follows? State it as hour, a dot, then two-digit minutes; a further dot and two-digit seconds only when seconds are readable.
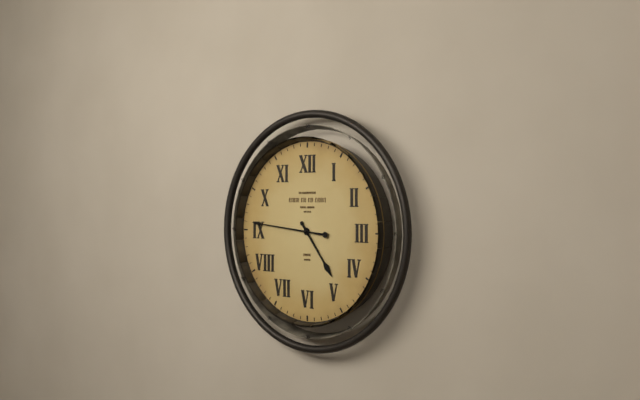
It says 4.46
